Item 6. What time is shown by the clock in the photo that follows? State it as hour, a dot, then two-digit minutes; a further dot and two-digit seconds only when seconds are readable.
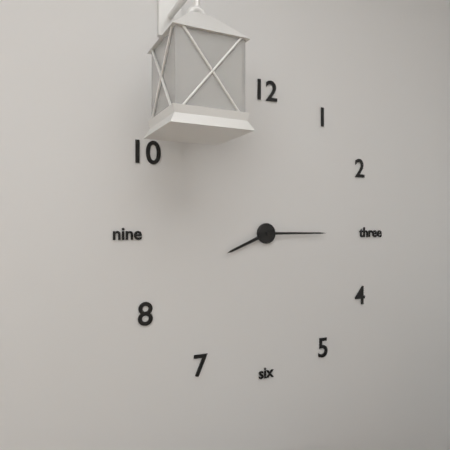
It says 8.15
